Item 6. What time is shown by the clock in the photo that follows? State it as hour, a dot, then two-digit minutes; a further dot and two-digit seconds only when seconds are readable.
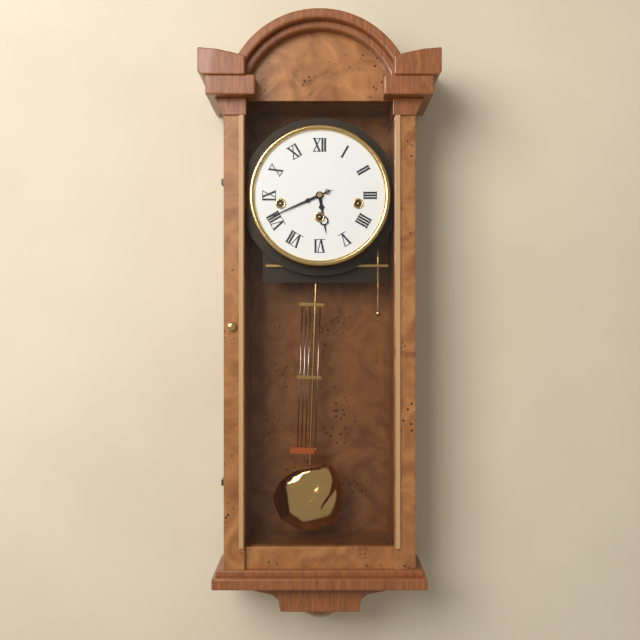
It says 5.41
